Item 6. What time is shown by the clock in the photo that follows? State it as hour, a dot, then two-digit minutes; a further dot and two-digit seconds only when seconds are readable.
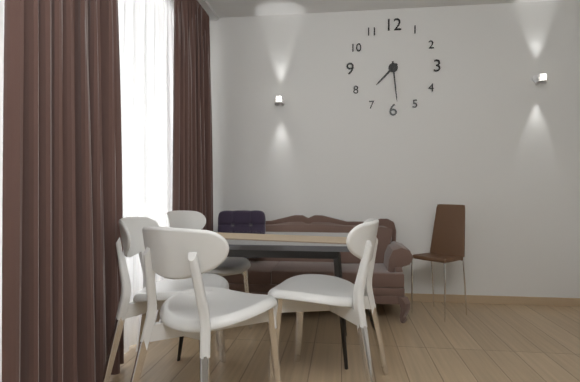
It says 7.29
